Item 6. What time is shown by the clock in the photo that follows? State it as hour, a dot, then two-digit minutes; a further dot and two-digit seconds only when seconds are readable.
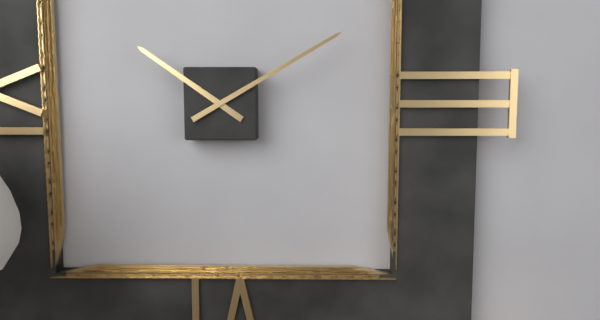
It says 10.10
